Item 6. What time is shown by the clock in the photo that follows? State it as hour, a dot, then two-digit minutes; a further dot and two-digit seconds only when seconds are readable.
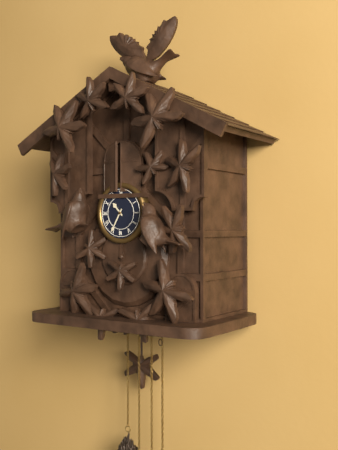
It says 10.35
